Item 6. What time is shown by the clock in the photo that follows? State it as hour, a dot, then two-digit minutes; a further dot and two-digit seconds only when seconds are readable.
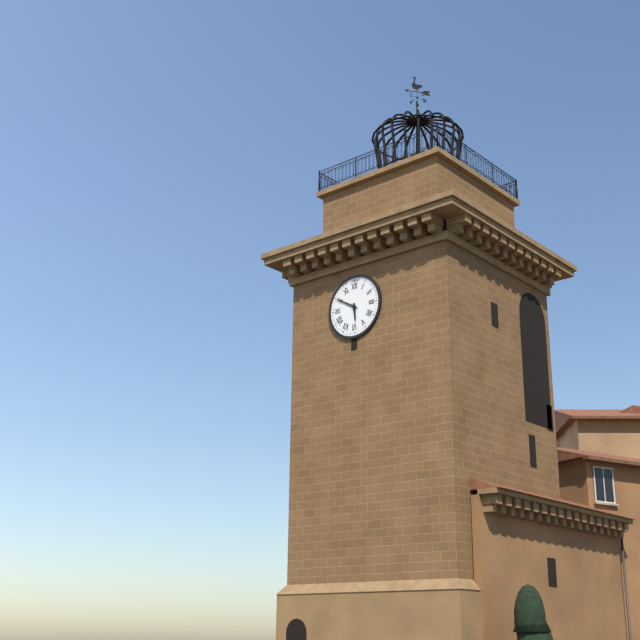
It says 5.50
